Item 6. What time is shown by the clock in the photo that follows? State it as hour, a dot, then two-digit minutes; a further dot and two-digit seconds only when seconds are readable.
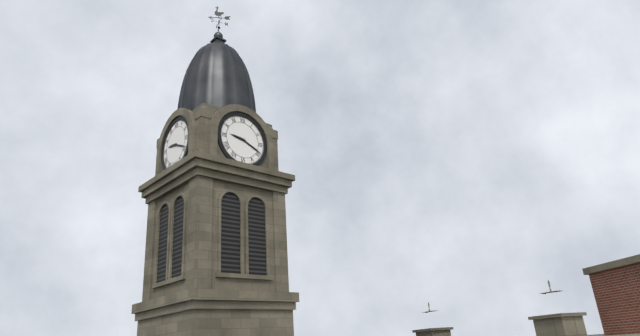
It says 9.19
